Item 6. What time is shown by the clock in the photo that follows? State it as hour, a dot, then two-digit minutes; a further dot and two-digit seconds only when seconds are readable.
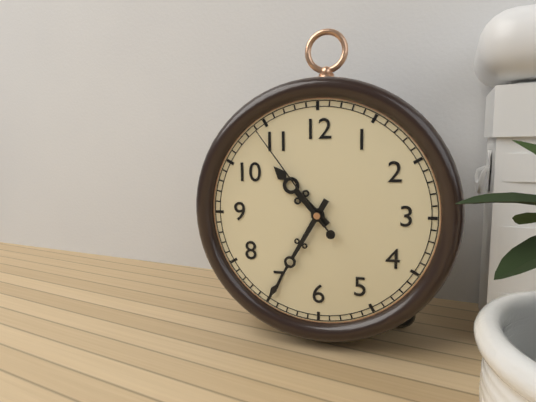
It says 10.35.54
